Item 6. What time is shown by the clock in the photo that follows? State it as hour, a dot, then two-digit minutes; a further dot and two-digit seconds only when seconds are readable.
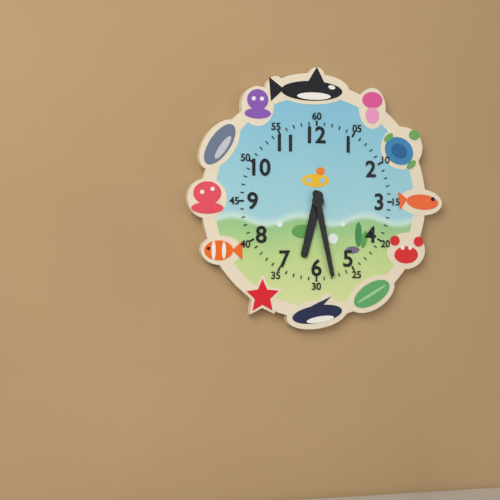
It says 6.28
